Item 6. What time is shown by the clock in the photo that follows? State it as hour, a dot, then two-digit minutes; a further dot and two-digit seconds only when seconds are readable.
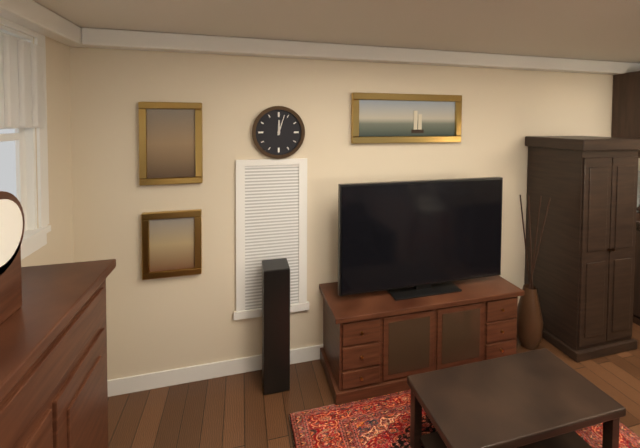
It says 12.03
